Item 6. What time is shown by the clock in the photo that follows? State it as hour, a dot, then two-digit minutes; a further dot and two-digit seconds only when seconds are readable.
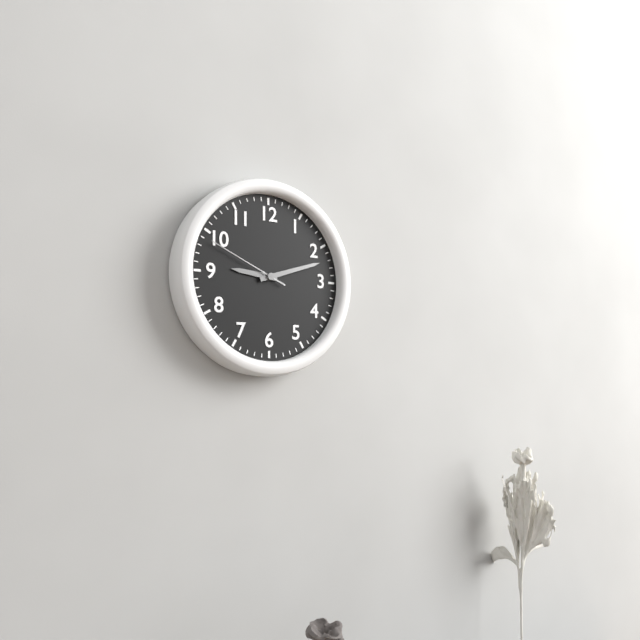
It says 9.12.49
